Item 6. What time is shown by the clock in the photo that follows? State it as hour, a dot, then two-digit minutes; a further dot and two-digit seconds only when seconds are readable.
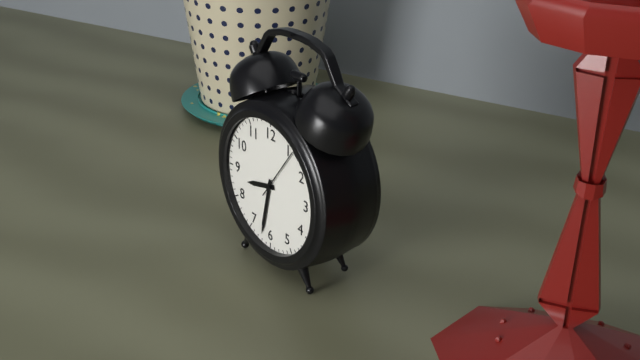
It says 8.32.06
